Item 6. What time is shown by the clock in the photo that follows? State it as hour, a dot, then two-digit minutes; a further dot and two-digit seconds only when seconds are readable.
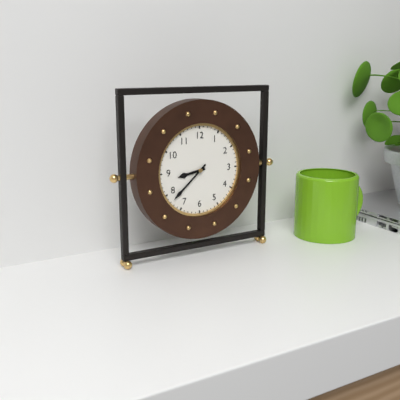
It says 8.38
